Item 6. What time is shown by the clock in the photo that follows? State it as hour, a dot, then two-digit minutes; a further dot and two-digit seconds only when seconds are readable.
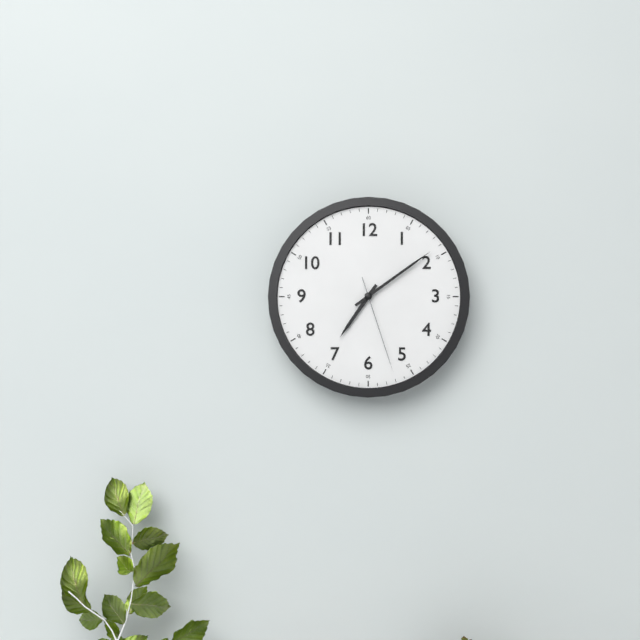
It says 7.09.27
